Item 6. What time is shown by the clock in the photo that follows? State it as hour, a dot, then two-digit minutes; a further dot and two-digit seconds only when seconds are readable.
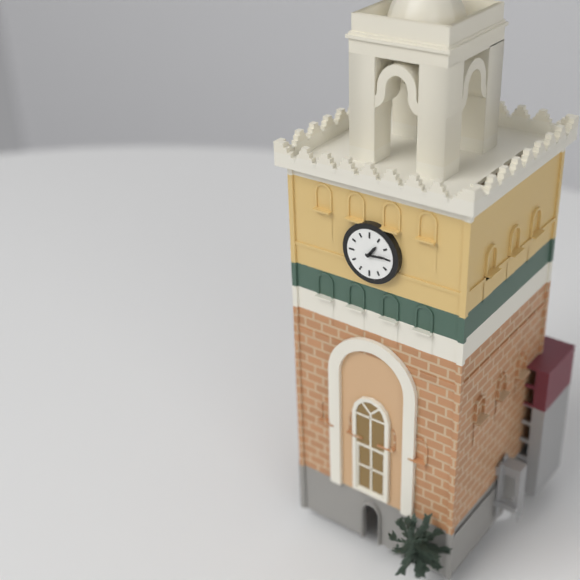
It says 1.14
